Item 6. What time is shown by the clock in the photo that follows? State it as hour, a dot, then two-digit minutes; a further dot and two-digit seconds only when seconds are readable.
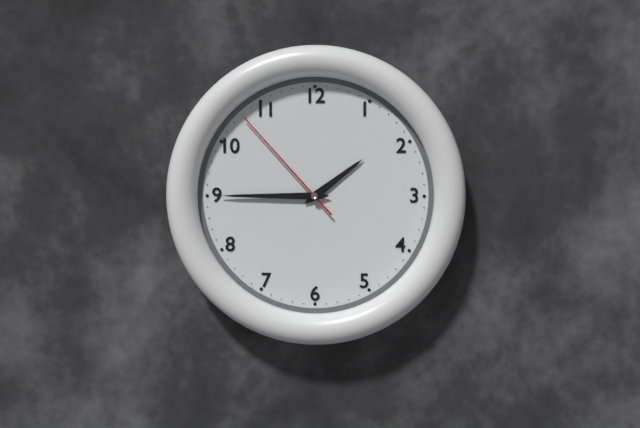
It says 1.45.53
